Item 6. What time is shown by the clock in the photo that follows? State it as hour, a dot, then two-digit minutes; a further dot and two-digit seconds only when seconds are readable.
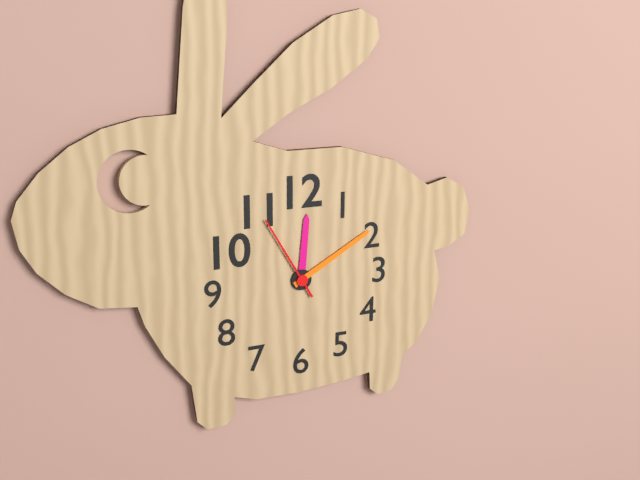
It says 12.10.55
